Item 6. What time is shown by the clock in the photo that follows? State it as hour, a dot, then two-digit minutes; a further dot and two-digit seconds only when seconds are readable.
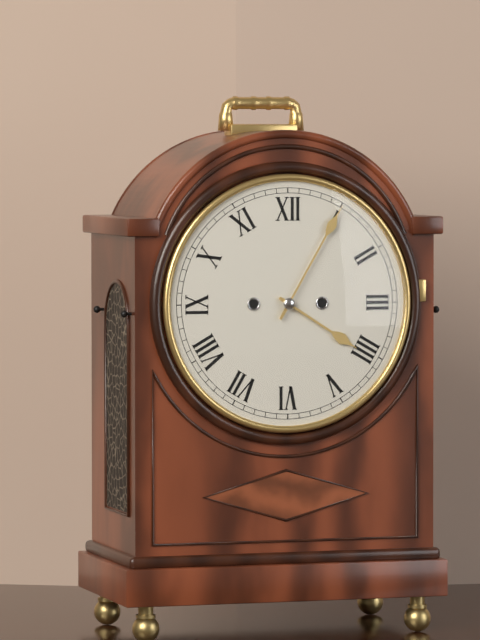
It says 4.05
